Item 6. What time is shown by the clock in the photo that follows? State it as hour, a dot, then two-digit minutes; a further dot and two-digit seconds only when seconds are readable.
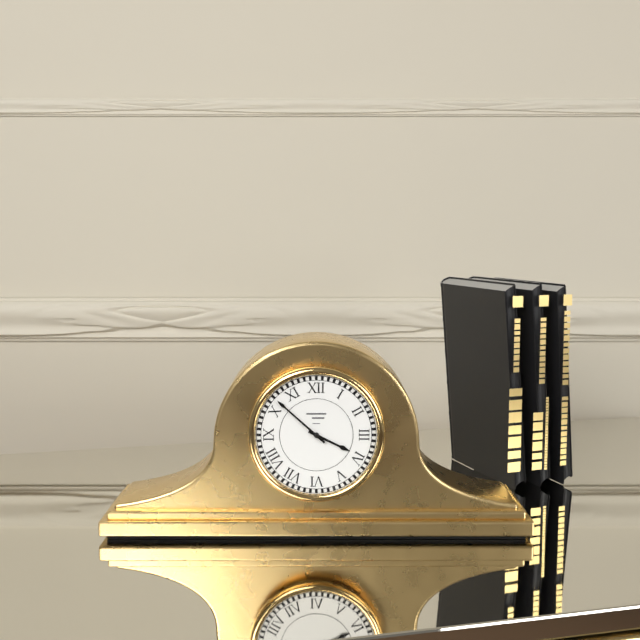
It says 3.52
